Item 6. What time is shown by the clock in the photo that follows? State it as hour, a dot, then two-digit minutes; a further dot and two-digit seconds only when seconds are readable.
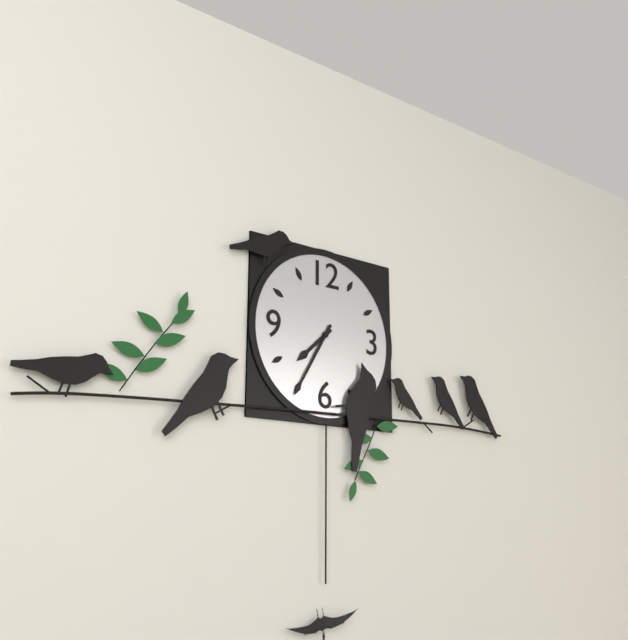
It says 7.35
